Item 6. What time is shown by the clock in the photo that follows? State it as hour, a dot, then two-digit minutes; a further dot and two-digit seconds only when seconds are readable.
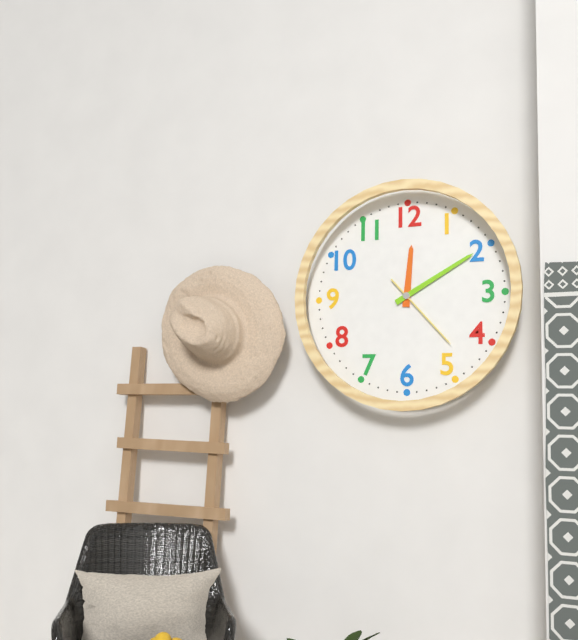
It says 12.10.23
